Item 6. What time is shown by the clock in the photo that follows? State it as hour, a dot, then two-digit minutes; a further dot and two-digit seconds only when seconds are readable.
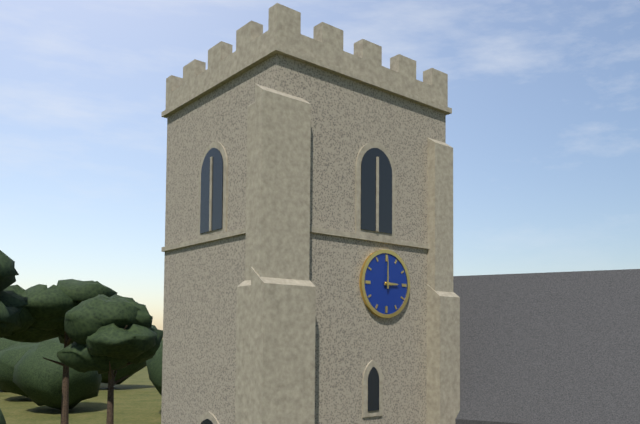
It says 3.00
